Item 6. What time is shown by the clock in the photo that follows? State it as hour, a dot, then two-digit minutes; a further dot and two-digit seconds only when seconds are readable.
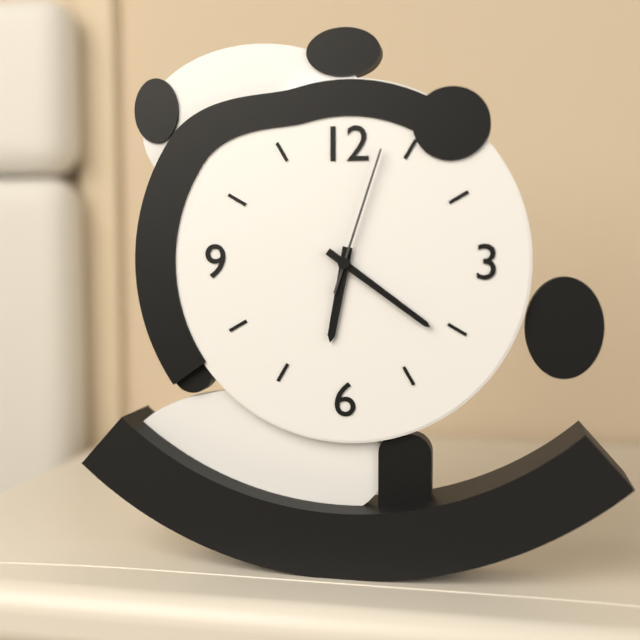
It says 6.21.03
